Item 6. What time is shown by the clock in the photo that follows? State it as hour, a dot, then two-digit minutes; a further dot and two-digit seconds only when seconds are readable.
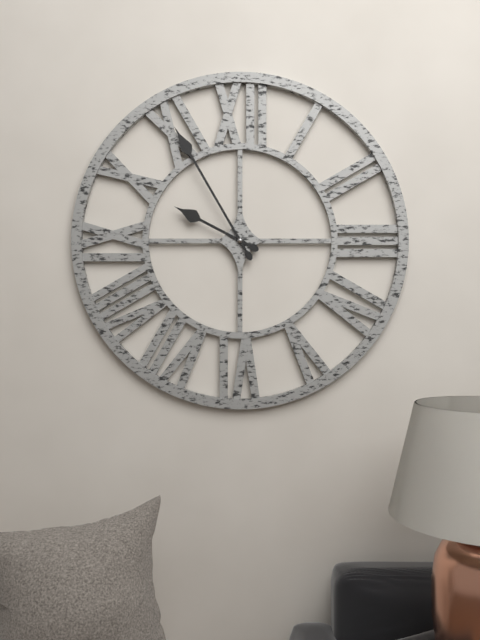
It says 9.55
